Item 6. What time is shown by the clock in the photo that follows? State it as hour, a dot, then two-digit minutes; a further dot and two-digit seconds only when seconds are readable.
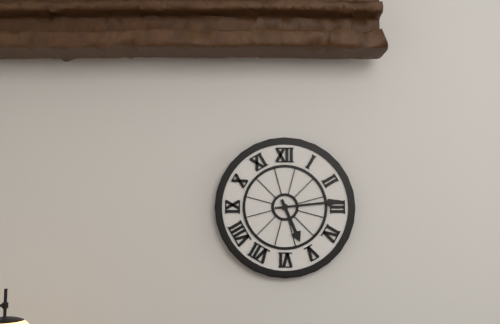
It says 5.14
